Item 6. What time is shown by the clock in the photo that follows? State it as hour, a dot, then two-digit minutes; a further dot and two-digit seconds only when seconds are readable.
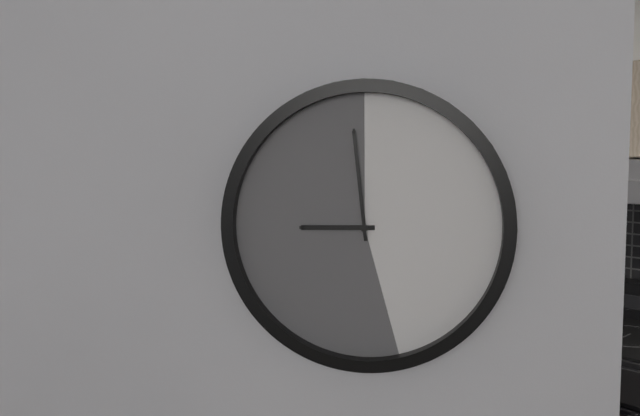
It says 8.59
